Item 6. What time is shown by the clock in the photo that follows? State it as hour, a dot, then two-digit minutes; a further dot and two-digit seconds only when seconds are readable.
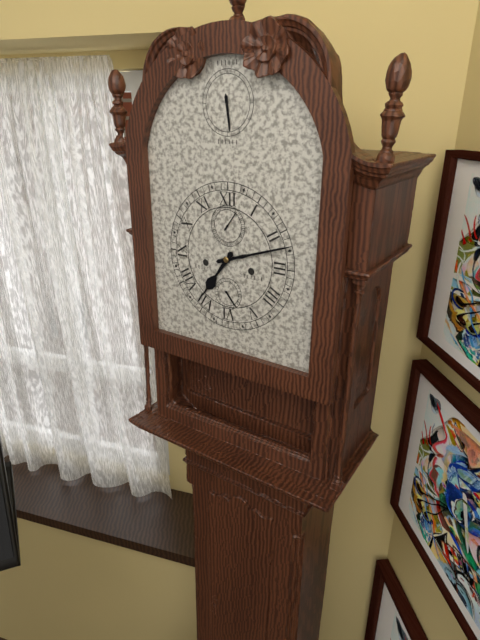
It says 7.12
